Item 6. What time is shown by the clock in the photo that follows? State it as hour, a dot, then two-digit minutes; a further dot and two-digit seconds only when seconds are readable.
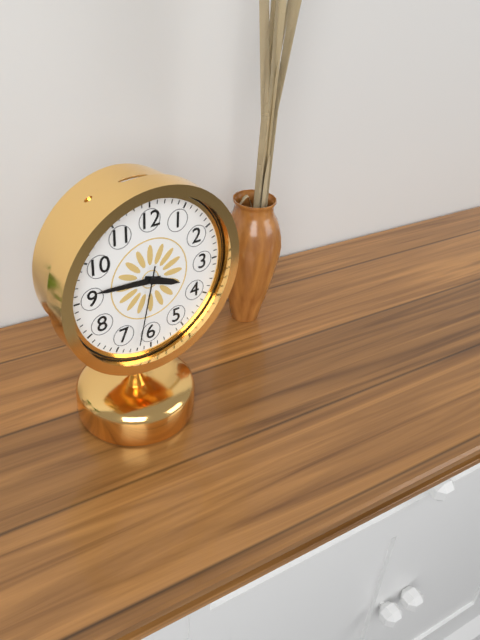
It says 3.46.32
